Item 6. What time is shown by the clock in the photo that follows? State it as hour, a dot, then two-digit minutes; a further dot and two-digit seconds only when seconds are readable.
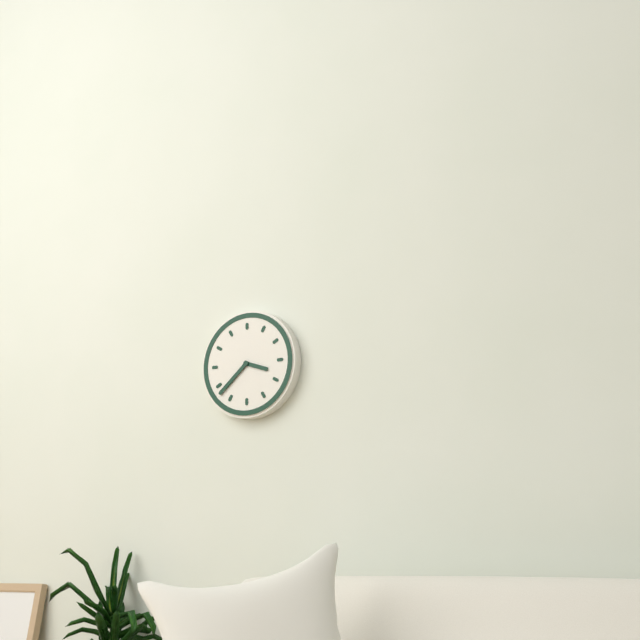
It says 3.38
